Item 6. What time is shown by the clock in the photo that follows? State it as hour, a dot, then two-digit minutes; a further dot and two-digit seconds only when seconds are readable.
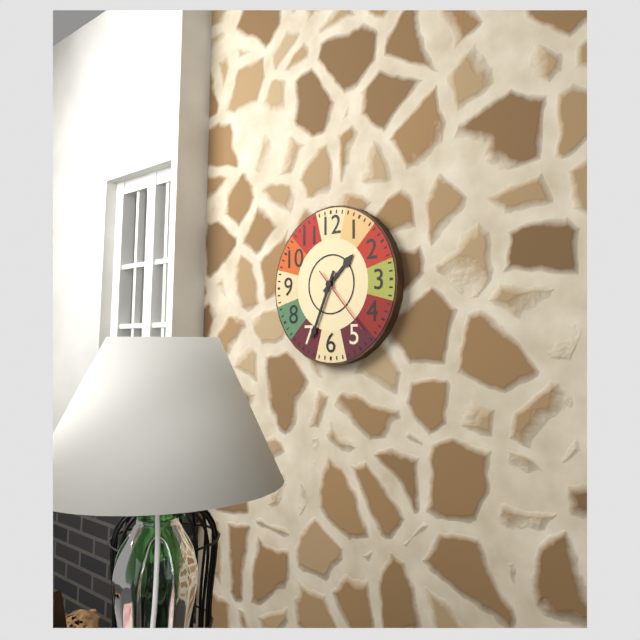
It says 1.34.23
